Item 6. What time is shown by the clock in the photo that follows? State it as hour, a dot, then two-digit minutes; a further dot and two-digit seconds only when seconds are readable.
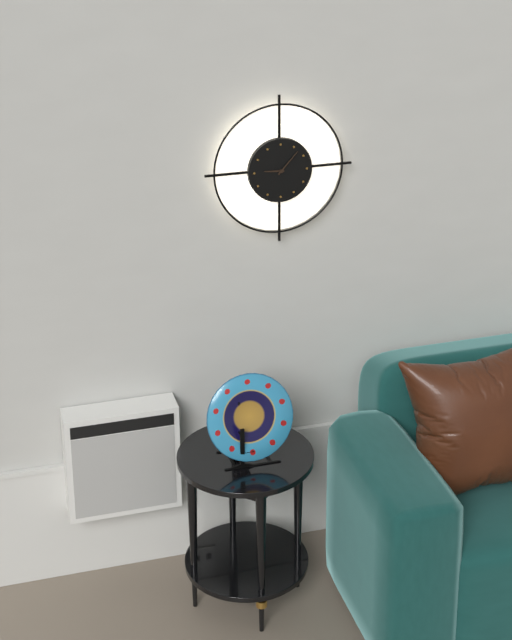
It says 9.07
